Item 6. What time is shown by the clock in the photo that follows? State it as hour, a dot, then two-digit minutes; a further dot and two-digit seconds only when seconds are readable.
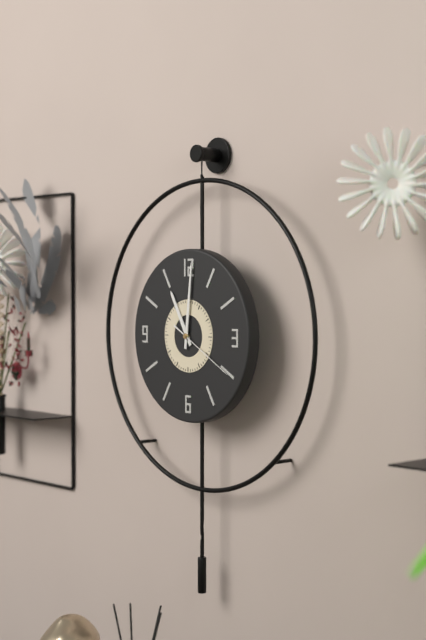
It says 11.01.20
